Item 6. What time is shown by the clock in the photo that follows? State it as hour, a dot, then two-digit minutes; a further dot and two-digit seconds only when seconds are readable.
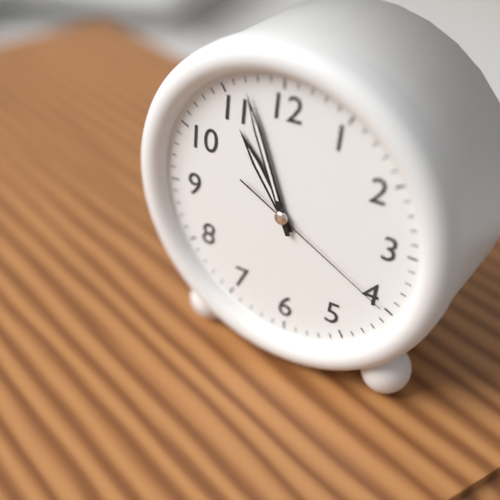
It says 10.57.20
